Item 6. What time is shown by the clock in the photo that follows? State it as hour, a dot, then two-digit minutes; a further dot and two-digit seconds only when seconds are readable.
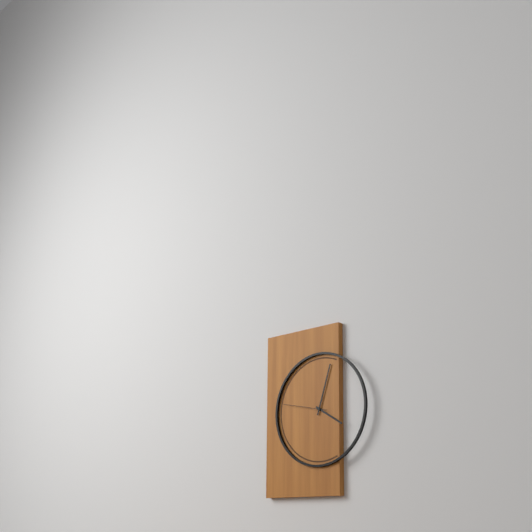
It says 4.03
